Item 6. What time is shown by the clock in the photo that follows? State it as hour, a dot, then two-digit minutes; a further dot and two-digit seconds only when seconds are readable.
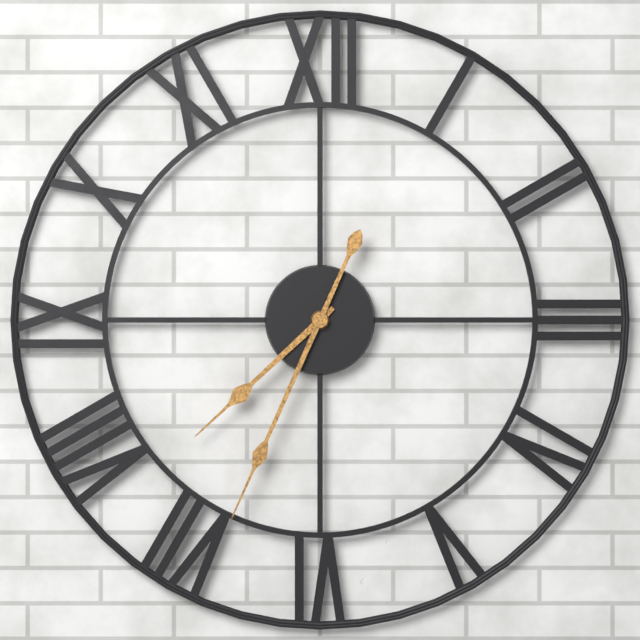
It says 7.34
